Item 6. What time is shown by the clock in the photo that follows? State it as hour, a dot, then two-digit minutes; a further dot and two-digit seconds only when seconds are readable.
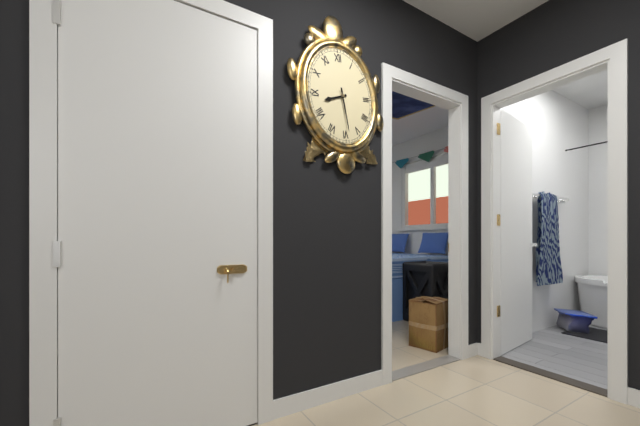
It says 8.29
